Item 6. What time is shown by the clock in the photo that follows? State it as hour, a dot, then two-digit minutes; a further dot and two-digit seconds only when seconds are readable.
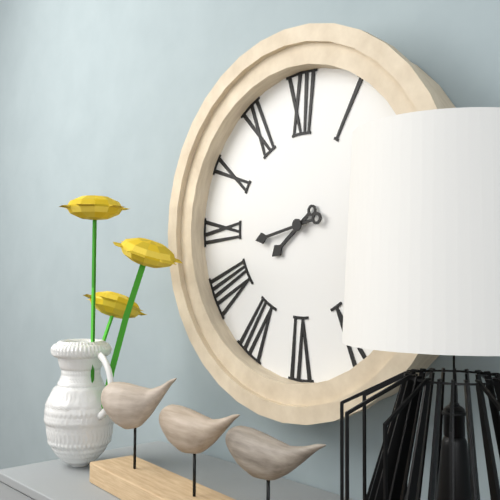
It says 7.43
